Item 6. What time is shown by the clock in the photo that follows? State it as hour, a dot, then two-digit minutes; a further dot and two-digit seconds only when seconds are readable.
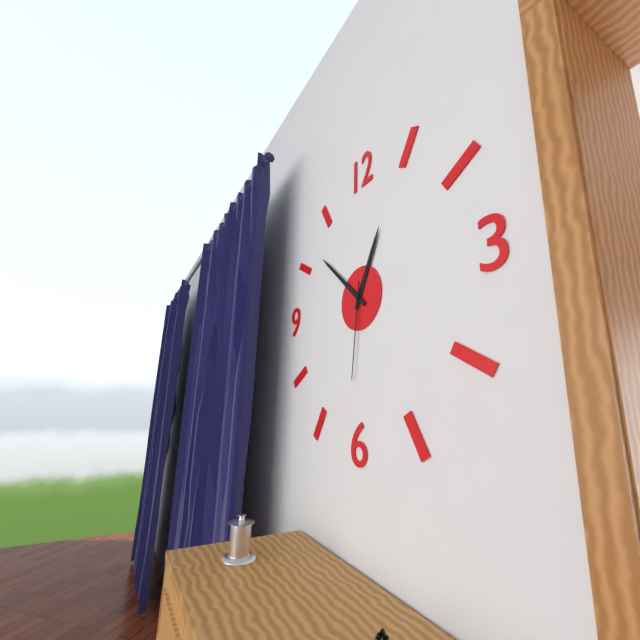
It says 12.52.31
